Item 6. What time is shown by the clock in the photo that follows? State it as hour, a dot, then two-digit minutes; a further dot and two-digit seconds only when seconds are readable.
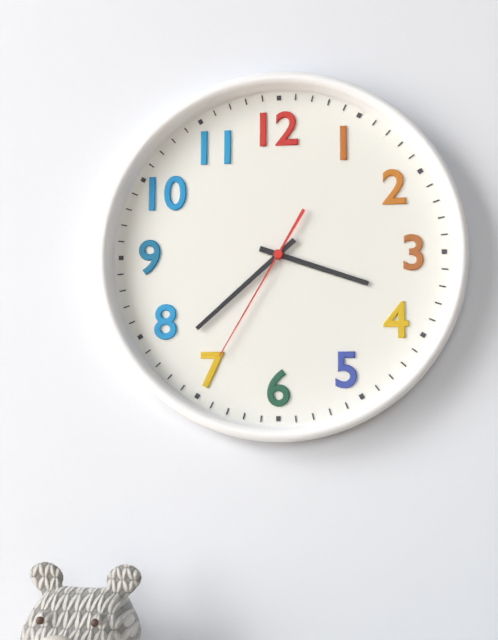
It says 3.38.35
